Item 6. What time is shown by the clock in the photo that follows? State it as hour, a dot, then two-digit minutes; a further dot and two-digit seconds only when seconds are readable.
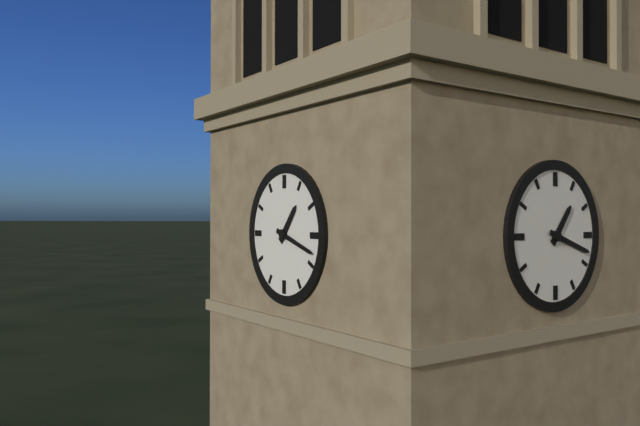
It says 1.18
